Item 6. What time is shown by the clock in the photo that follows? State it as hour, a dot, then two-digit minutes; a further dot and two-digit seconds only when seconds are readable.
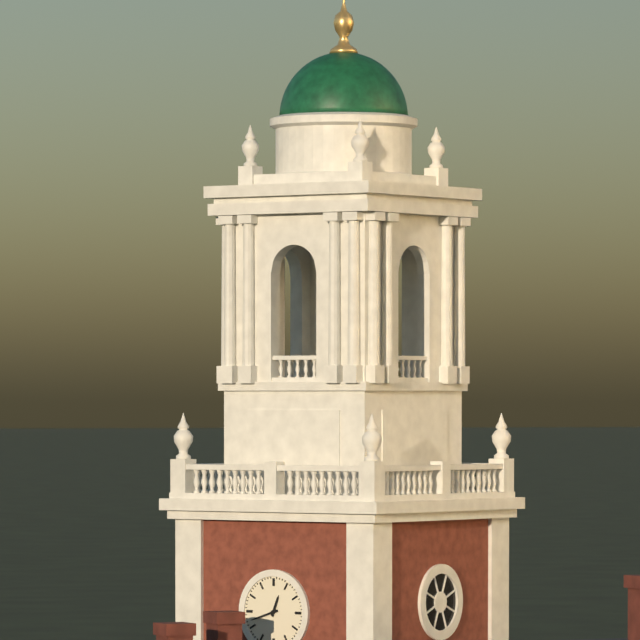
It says 12.42
